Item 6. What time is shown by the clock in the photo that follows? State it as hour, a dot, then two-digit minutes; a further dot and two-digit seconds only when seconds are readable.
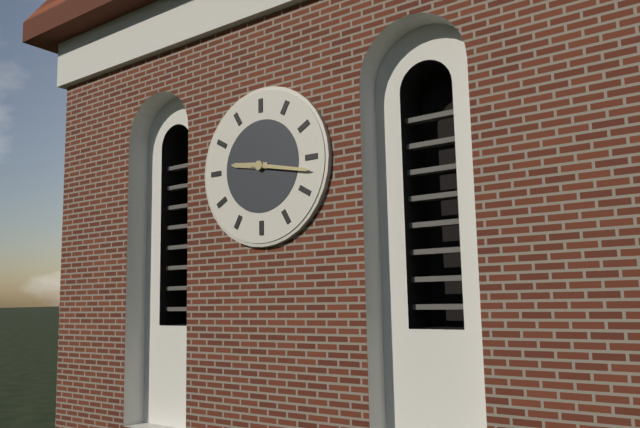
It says 9.17
